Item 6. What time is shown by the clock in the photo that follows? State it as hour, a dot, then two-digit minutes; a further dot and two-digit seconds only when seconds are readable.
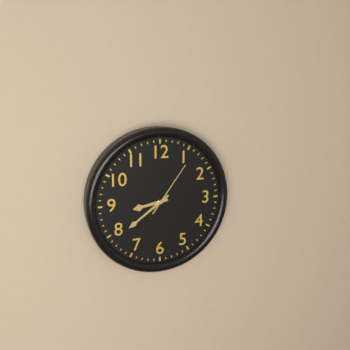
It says 8.39.06
